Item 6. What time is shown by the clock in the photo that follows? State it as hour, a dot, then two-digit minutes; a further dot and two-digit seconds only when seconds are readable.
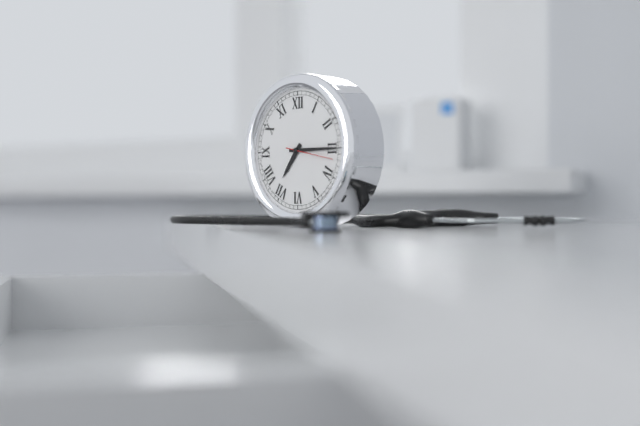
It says 7.15
